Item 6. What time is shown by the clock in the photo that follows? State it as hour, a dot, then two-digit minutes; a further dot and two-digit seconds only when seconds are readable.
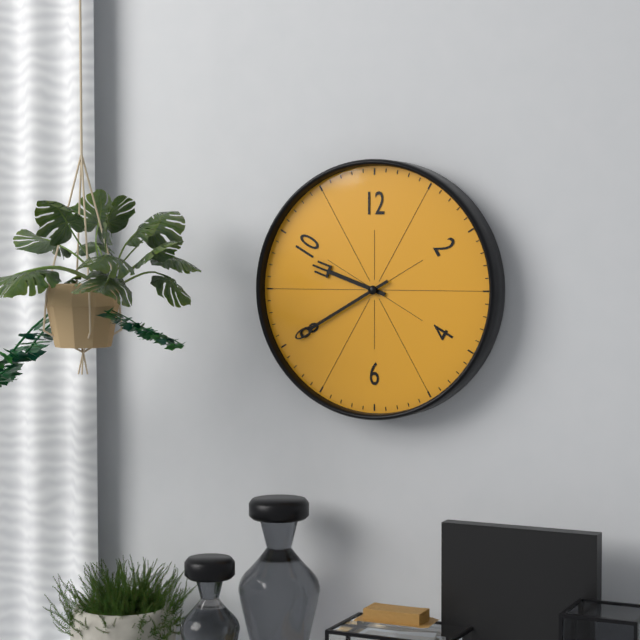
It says 9.40
